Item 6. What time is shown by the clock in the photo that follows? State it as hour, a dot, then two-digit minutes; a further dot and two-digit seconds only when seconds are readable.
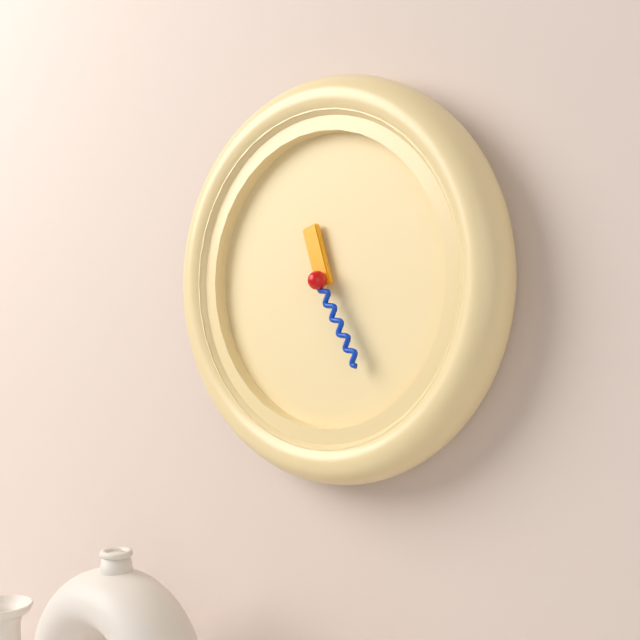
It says 11.25
